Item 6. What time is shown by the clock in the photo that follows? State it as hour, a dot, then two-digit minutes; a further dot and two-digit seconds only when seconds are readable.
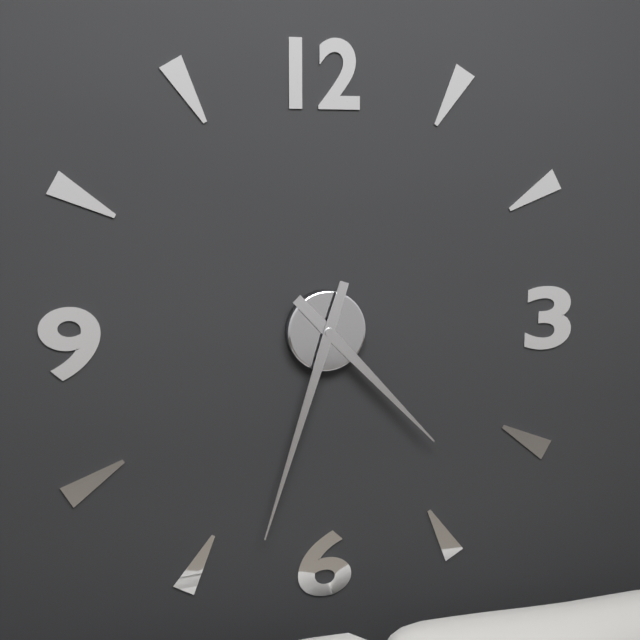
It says 4.33
